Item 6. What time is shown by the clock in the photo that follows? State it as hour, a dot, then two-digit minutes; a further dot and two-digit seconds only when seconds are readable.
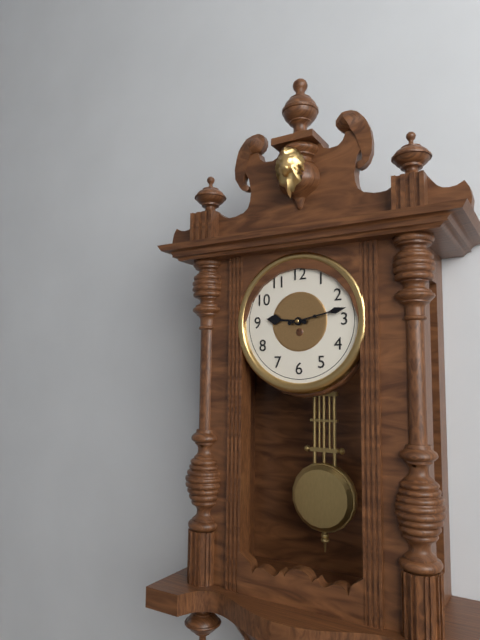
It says 9.13
